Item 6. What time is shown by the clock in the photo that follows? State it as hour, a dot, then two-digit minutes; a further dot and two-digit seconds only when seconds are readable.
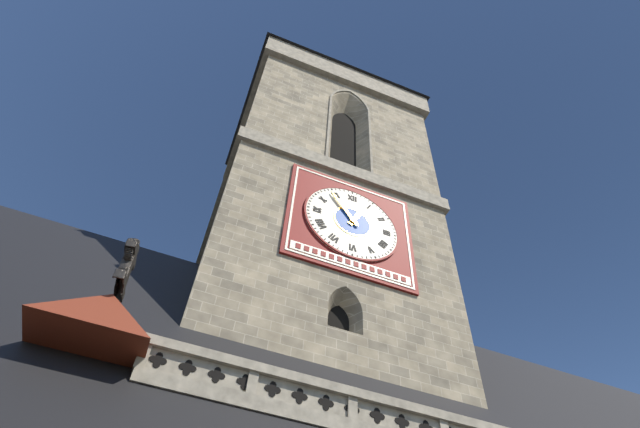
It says 12.54
